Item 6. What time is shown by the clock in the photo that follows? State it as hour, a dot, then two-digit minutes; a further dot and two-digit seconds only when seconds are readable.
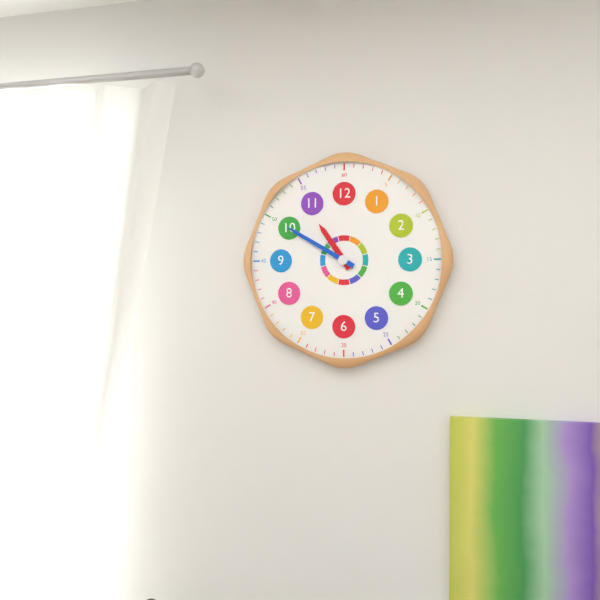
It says 10.50
